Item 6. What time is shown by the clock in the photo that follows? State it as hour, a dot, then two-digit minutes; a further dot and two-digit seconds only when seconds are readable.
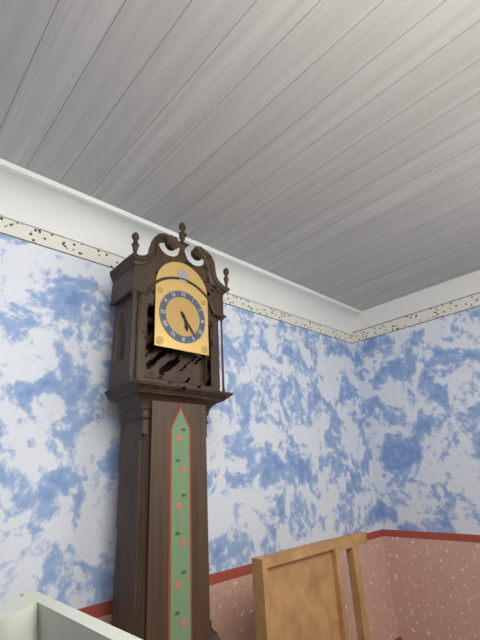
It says 5.24
